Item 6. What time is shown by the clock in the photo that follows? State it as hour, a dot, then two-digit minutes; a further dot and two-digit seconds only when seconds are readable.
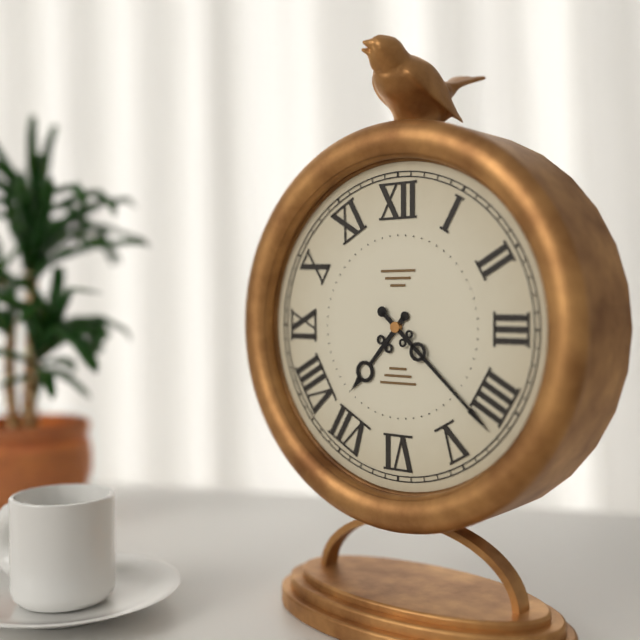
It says 7.22
